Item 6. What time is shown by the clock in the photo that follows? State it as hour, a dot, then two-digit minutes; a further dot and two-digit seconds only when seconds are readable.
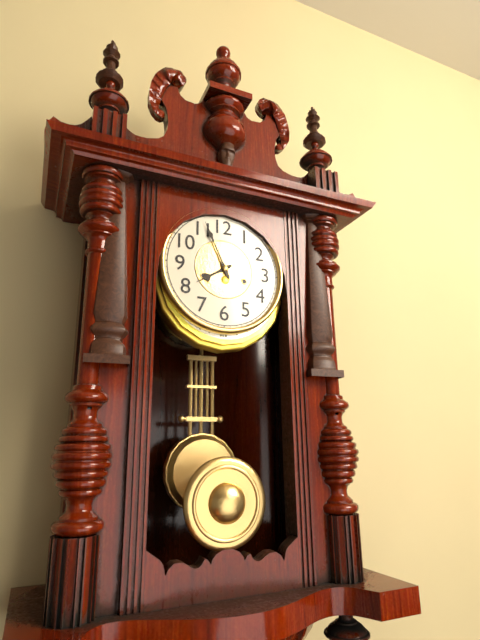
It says 7.56
